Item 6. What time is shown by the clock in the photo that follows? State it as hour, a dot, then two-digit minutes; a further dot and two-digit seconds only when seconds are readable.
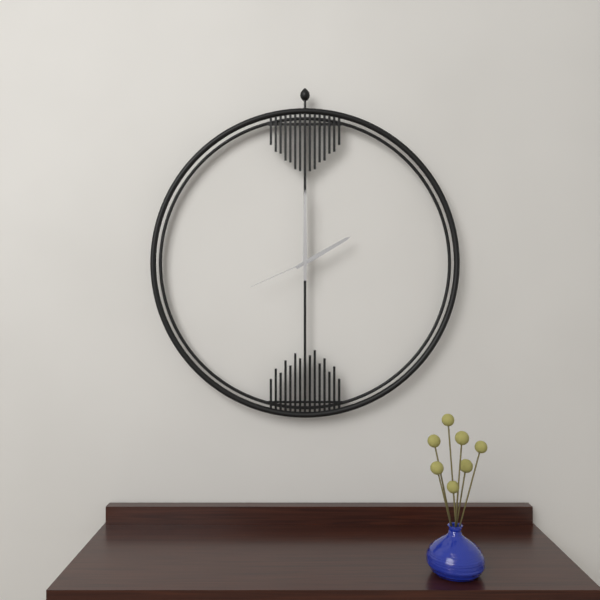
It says 2.00.41
